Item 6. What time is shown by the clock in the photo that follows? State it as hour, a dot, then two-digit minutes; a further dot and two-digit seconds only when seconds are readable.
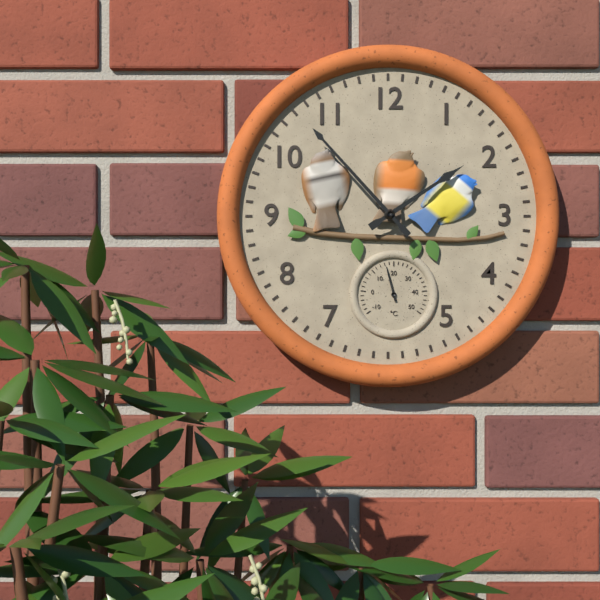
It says 1.53
